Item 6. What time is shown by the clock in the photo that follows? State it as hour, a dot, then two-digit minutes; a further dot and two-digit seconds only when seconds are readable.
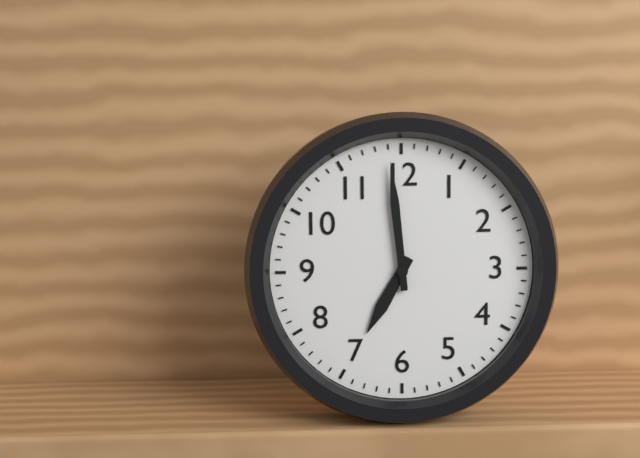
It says 6.59
